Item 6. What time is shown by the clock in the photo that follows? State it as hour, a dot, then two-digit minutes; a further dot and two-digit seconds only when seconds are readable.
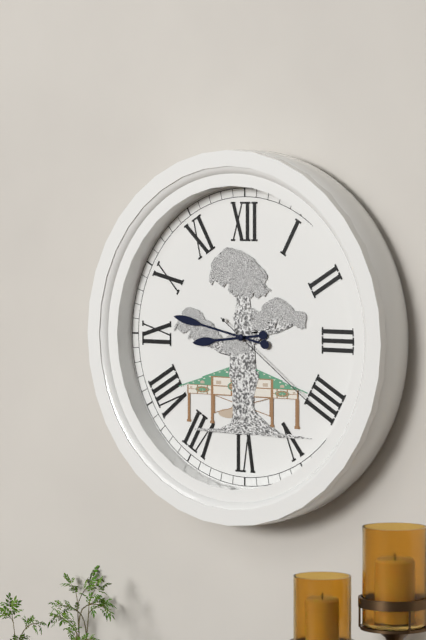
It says 8.47.21
